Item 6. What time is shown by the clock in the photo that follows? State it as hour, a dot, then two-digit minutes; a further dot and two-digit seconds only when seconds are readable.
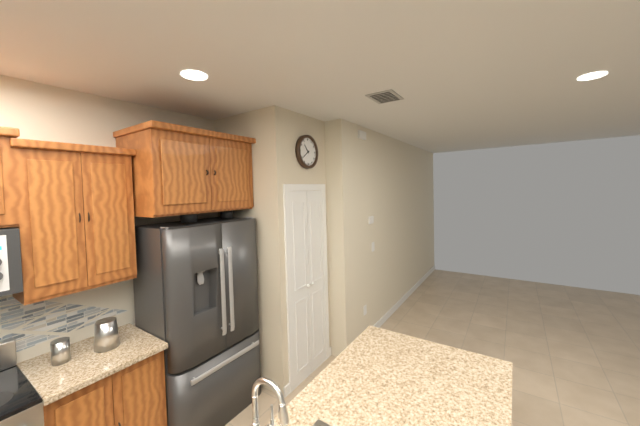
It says 10.39
